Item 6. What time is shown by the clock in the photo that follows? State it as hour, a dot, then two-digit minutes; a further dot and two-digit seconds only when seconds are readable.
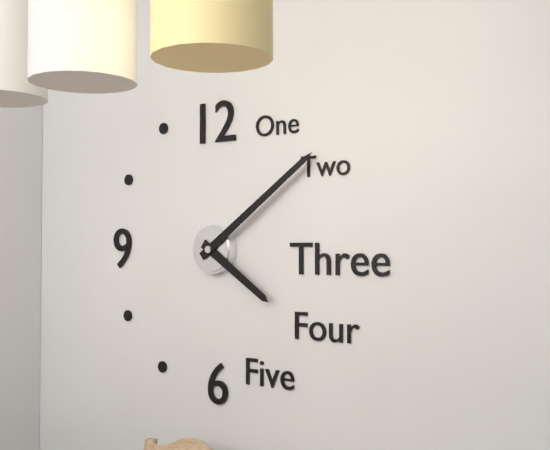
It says 4.09
